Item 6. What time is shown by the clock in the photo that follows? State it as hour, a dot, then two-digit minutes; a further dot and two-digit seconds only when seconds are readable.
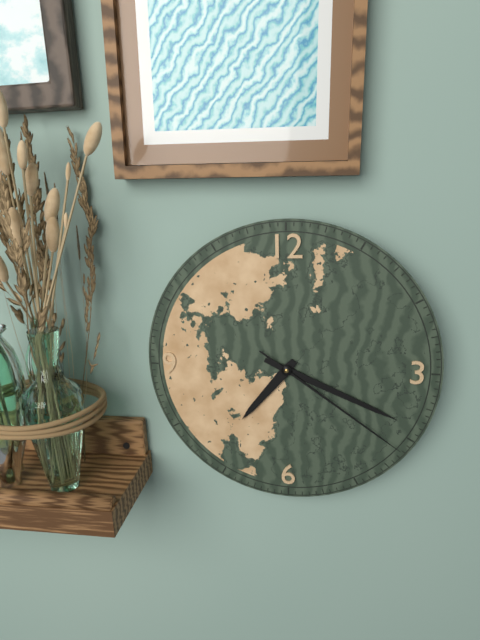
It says 7.19.21
